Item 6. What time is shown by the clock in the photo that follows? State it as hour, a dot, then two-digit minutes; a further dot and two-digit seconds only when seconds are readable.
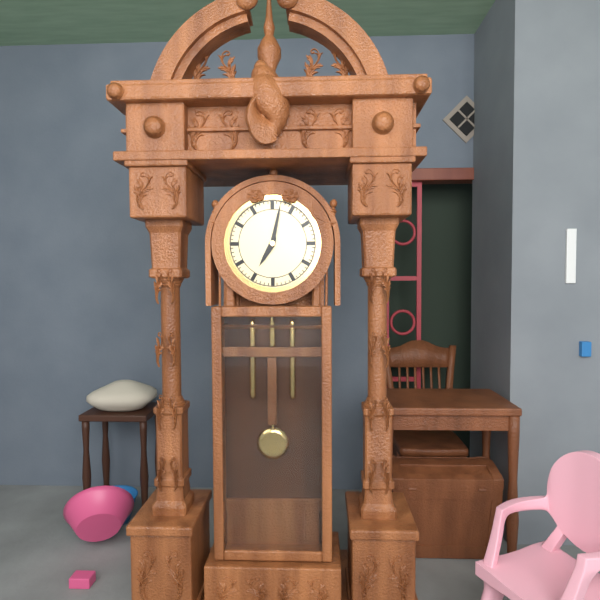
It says 7.02
